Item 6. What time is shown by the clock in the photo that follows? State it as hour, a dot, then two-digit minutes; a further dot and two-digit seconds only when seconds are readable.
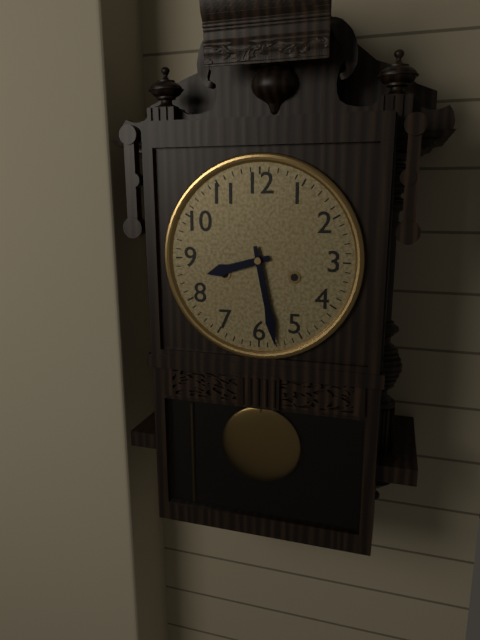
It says 8.28
